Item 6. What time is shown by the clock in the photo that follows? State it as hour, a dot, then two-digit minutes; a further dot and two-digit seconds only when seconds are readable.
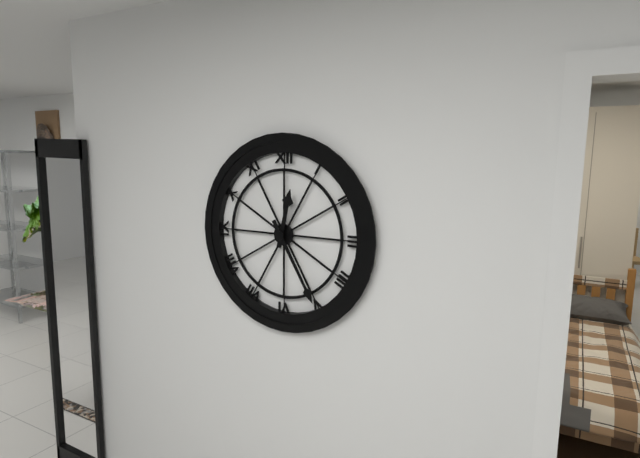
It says 12.25
